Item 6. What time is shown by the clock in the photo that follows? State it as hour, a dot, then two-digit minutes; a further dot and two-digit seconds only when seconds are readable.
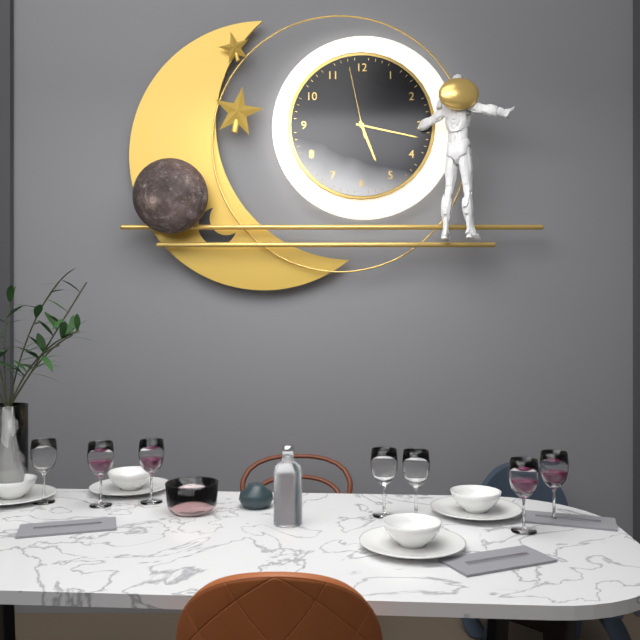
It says 5.17.58
